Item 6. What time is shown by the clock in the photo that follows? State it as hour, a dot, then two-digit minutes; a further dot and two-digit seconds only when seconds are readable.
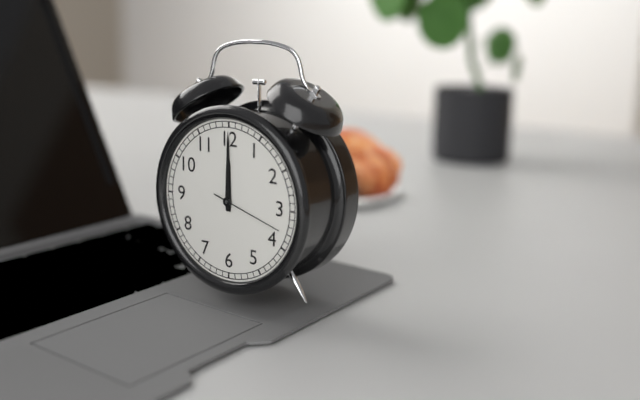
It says 12.00.18
